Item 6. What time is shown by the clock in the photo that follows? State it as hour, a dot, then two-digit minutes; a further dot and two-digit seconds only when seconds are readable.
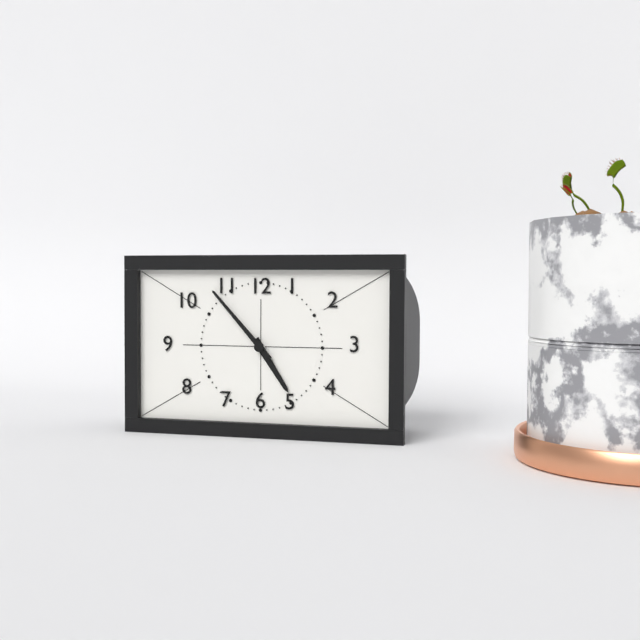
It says 4.53
